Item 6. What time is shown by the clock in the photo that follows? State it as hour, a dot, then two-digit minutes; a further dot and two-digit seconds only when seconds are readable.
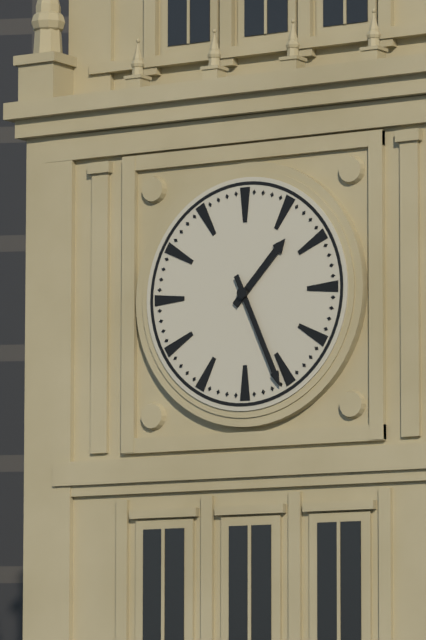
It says 1.26
